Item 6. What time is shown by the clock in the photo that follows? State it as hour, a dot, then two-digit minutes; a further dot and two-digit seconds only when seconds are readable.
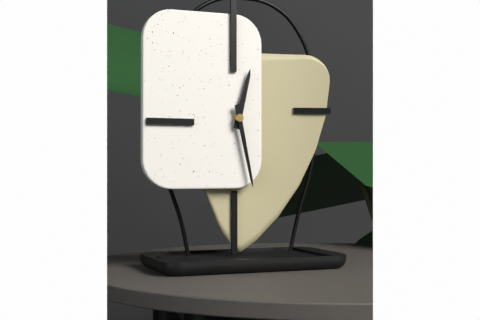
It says 12.28
